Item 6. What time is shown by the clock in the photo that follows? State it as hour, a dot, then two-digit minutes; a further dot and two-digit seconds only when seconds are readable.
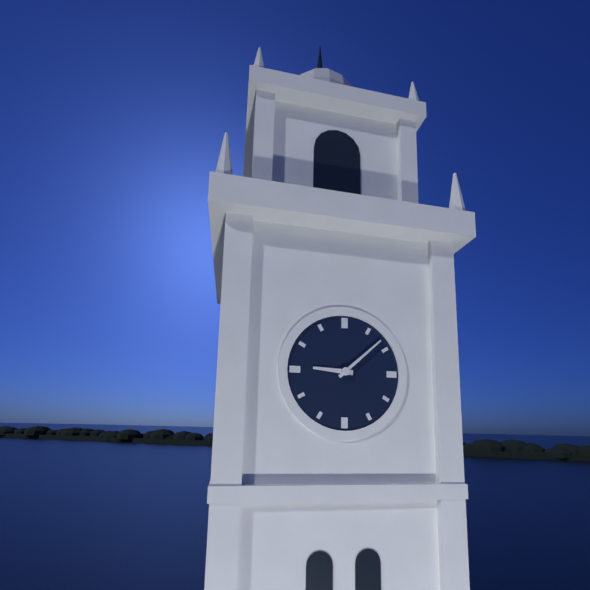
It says 9.08
